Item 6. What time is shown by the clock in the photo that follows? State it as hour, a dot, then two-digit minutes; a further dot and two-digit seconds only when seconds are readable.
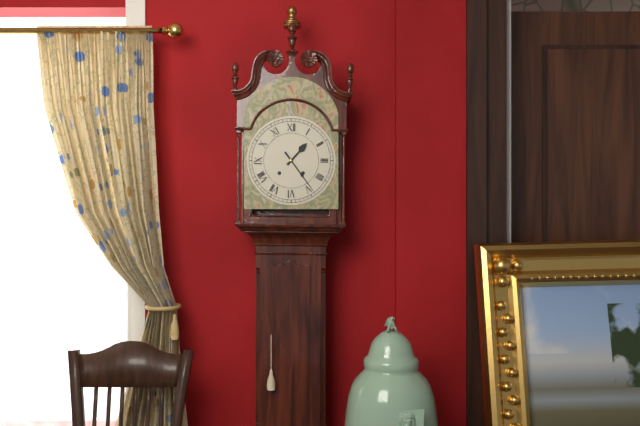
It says 1.24
